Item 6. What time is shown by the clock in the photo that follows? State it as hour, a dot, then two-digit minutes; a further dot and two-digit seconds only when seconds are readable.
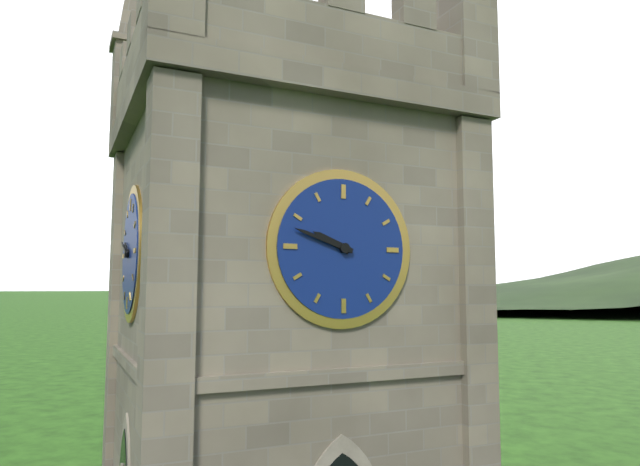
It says 9.48
